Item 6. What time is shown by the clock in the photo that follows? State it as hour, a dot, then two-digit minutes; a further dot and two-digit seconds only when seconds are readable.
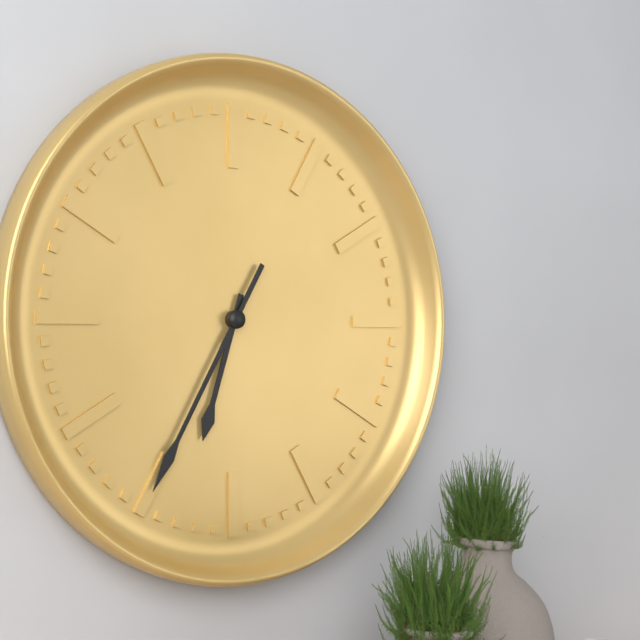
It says 6.35
